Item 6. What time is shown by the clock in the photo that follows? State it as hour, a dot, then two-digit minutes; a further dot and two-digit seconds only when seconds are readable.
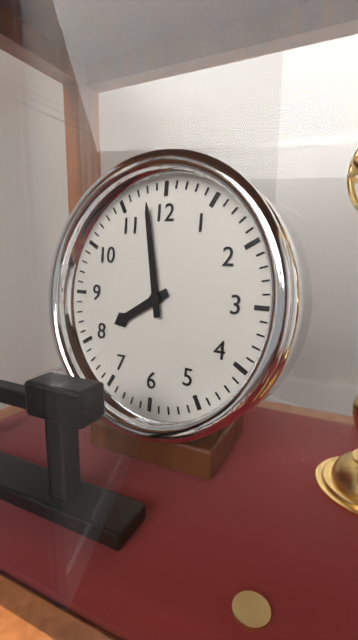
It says 7.58
